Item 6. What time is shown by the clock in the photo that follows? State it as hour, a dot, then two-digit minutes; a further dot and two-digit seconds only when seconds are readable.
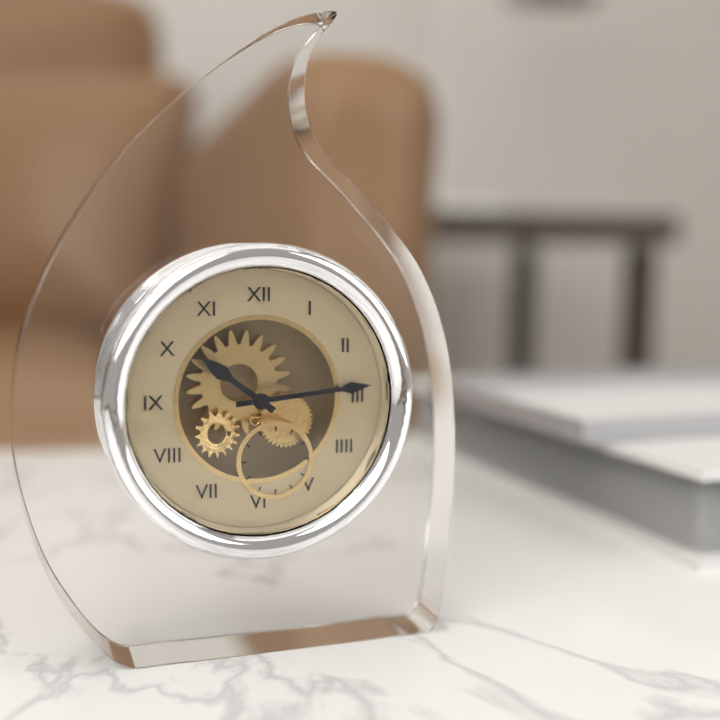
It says 10.14
